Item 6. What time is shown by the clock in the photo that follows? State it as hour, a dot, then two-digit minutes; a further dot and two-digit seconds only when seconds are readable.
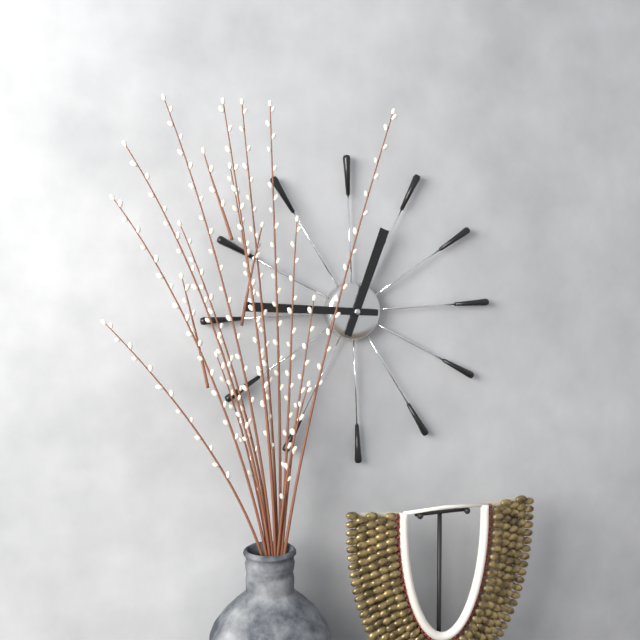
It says 12.46
